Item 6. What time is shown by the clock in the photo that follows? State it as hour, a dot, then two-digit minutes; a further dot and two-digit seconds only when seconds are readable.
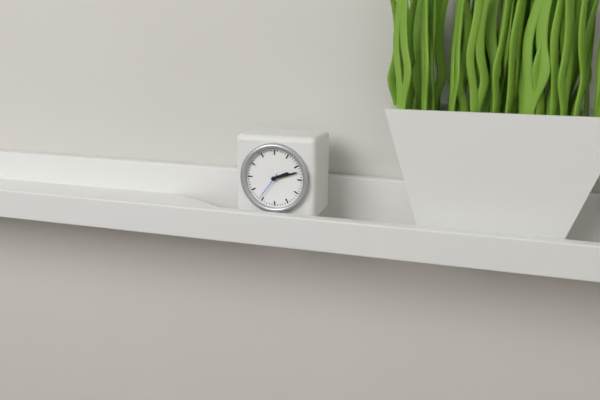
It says 2.12
